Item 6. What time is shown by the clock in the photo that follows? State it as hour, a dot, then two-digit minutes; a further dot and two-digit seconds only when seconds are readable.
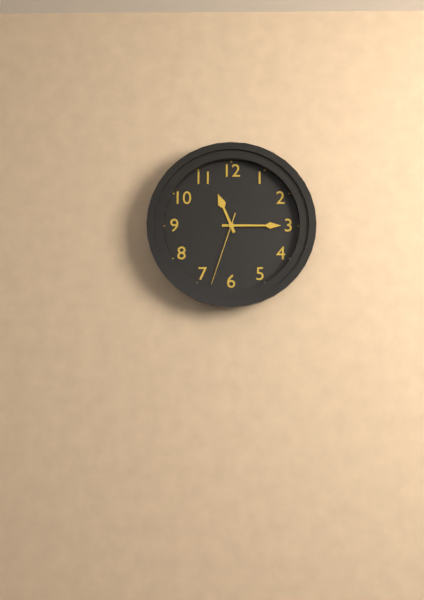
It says 11.15.33
